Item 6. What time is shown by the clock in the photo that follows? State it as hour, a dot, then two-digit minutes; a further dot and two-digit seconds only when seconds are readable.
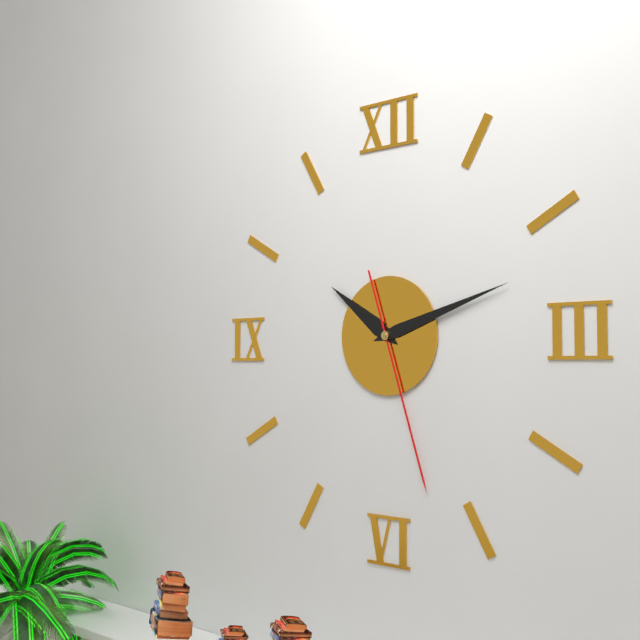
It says 10.12.27
